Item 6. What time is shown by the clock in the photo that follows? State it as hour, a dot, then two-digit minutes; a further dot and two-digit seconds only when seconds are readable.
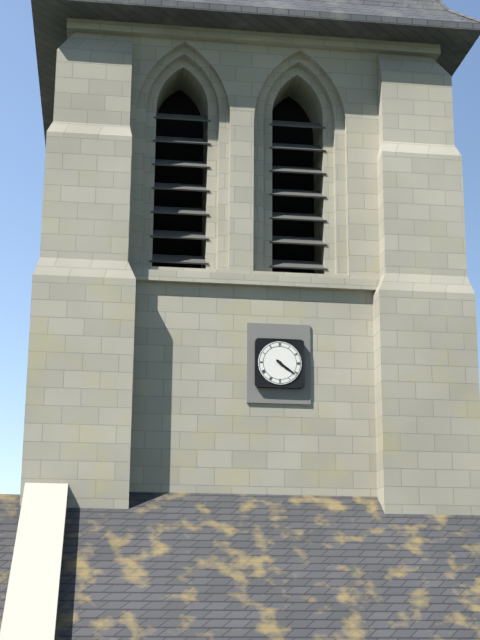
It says 4.21
